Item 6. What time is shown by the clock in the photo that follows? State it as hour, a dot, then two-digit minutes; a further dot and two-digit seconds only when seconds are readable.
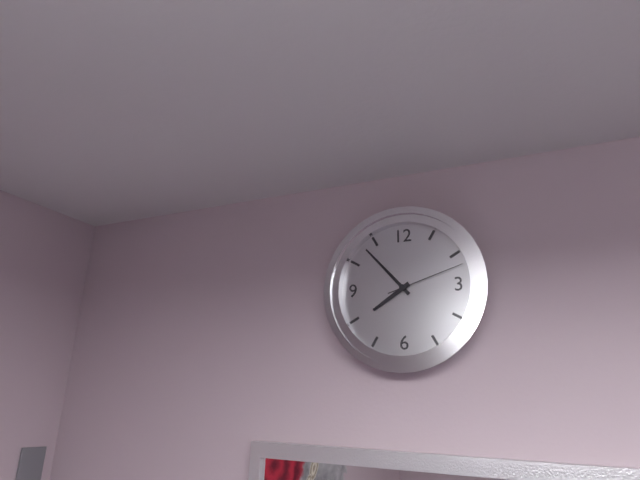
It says 7.53.12
